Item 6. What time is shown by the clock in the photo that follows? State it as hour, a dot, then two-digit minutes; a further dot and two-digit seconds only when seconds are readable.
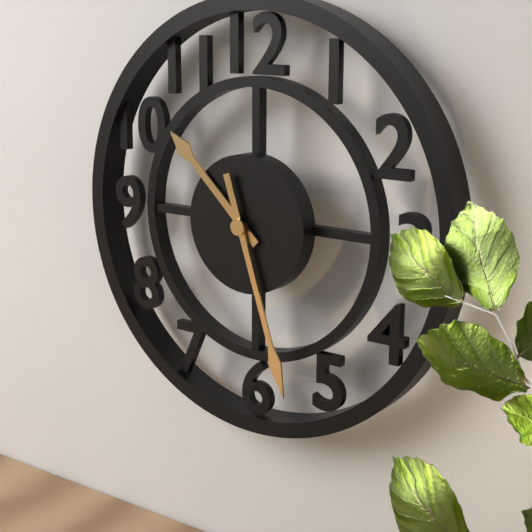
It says 10.27
